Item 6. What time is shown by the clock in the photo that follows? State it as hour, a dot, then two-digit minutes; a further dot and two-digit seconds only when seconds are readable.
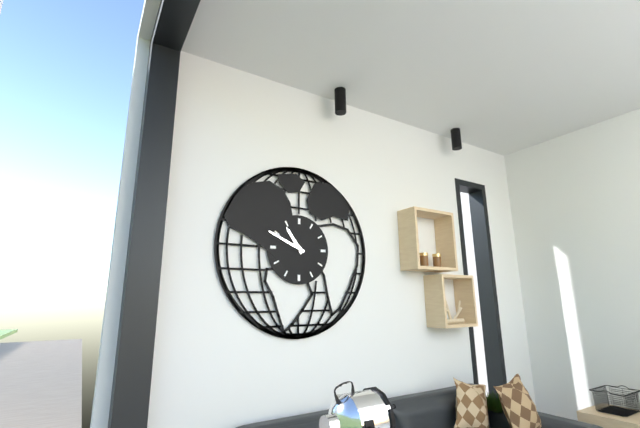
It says 10.49
